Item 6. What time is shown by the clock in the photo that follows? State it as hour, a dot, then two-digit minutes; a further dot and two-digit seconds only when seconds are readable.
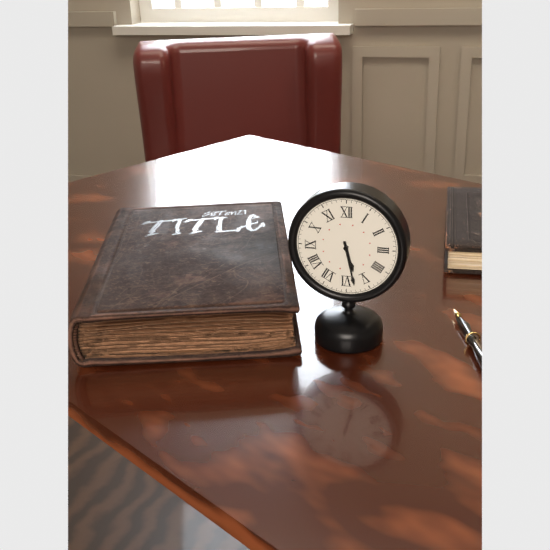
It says 5.28
